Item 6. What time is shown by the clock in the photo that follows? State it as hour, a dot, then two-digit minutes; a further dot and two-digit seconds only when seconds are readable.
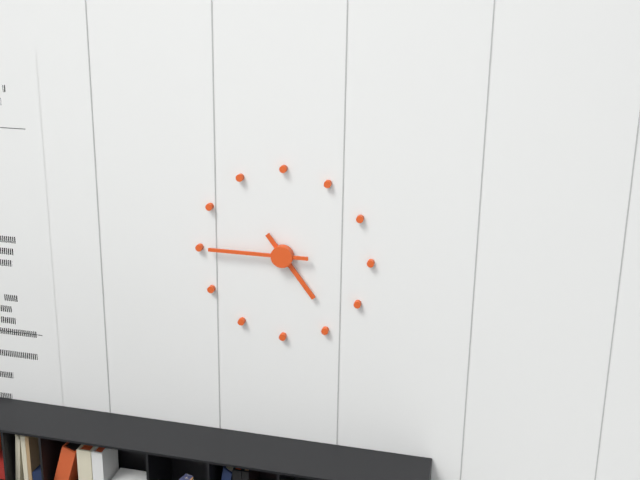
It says 4.45
